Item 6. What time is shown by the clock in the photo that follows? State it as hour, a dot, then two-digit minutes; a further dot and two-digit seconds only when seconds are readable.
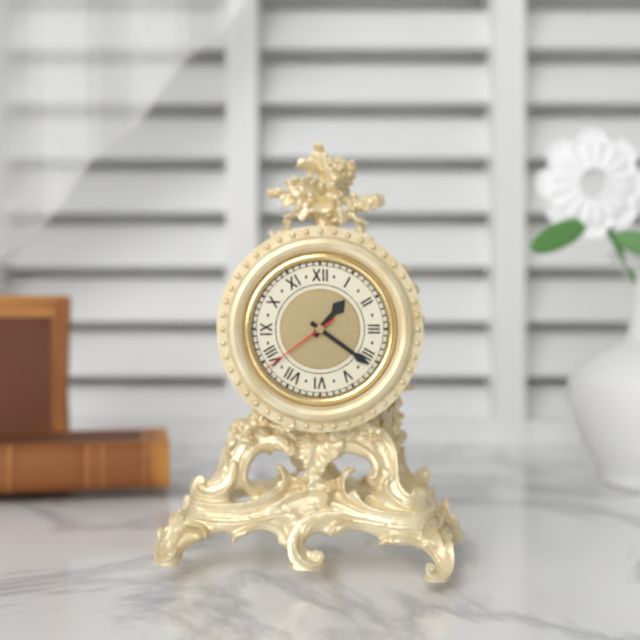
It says 1.21.39
